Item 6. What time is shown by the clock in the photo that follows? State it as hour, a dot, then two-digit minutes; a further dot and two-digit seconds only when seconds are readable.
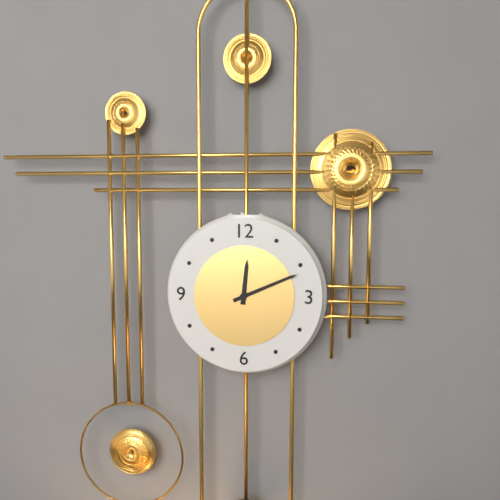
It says 12.11
